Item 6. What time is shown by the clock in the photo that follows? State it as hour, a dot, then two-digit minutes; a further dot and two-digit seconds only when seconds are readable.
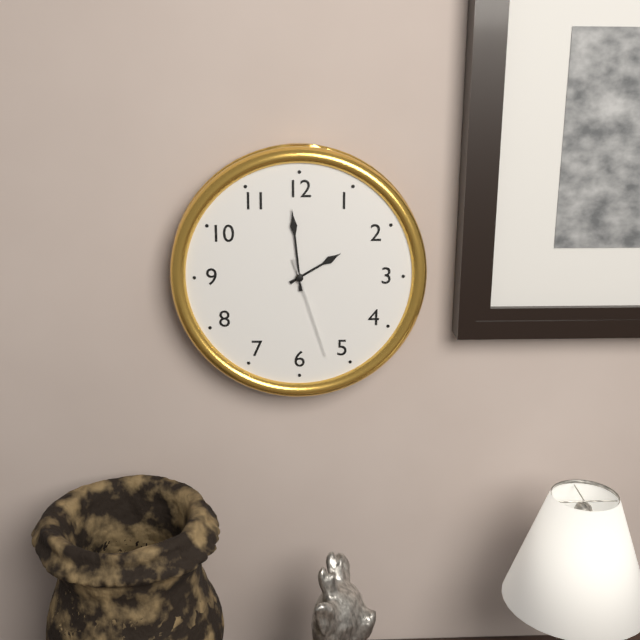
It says 1.59.27
